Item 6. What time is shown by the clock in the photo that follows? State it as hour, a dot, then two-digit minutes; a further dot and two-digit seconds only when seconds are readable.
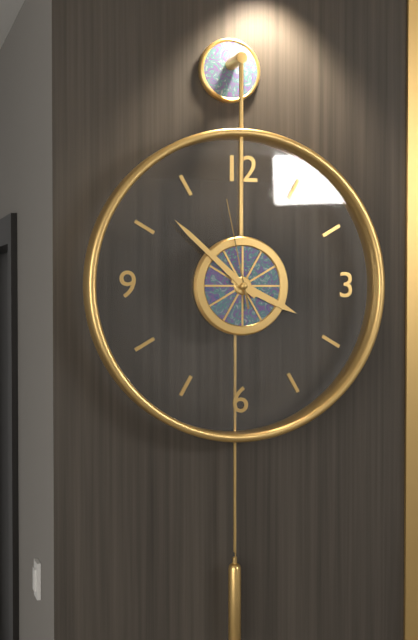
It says 3.52.58
